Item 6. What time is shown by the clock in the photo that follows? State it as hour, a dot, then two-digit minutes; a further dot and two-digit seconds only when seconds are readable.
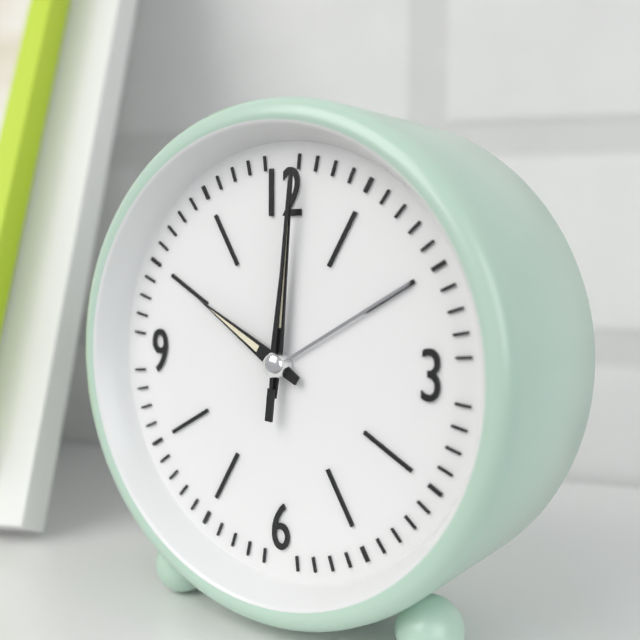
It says 10.01.01
